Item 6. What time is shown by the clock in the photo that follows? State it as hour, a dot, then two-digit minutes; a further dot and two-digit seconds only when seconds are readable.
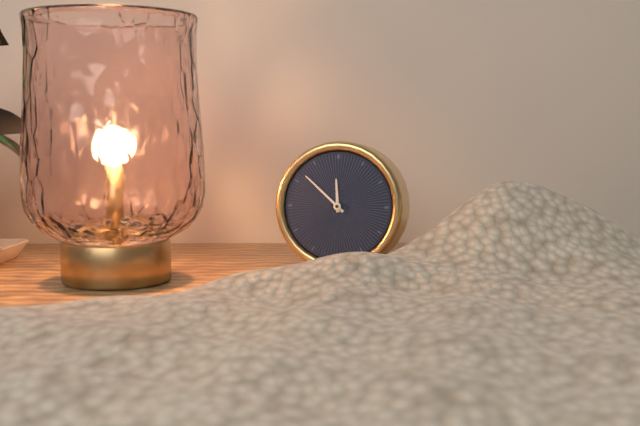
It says 11.52
